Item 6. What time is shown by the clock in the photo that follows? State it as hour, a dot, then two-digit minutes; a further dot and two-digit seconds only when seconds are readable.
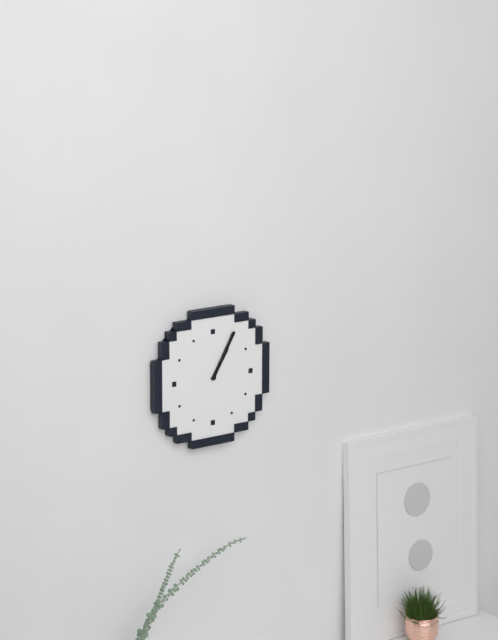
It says 1.05
